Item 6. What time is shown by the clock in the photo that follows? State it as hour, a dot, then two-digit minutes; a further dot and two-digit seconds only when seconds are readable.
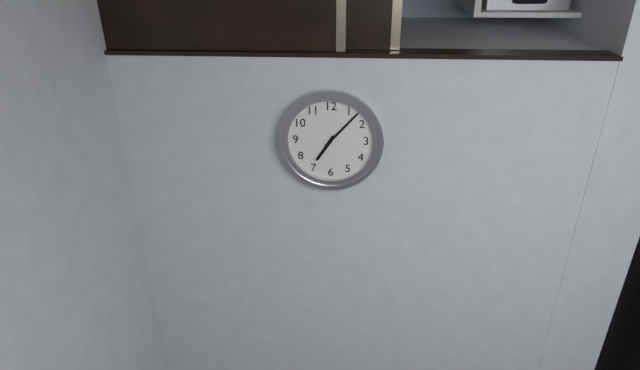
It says 7.07
